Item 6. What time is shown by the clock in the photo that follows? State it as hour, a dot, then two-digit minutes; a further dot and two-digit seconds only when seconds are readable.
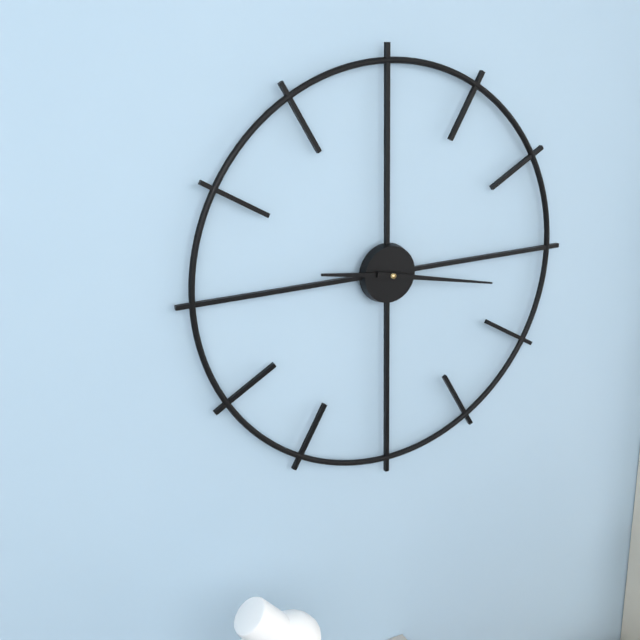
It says 9.17
